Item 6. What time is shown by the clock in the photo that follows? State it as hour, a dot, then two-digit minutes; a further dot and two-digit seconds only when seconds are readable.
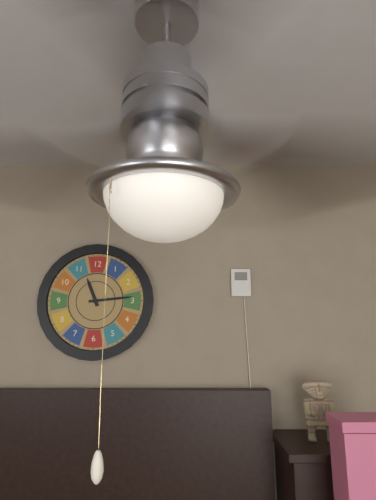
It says 11.14
